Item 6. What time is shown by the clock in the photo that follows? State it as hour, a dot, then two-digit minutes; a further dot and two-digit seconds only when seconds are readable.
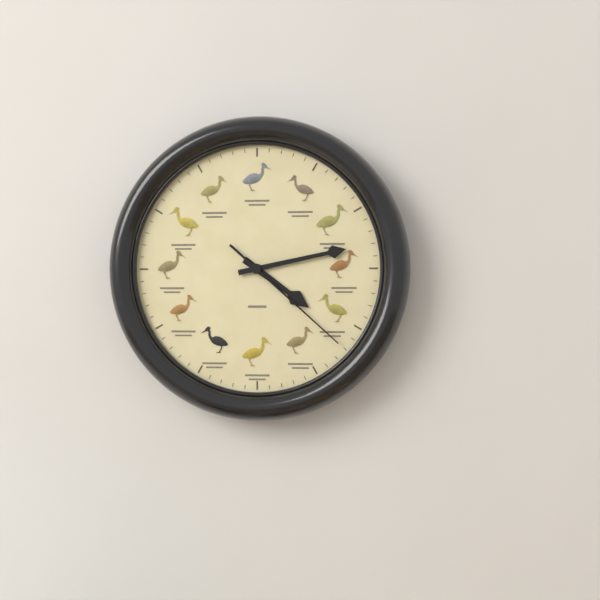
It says 4.13.22
